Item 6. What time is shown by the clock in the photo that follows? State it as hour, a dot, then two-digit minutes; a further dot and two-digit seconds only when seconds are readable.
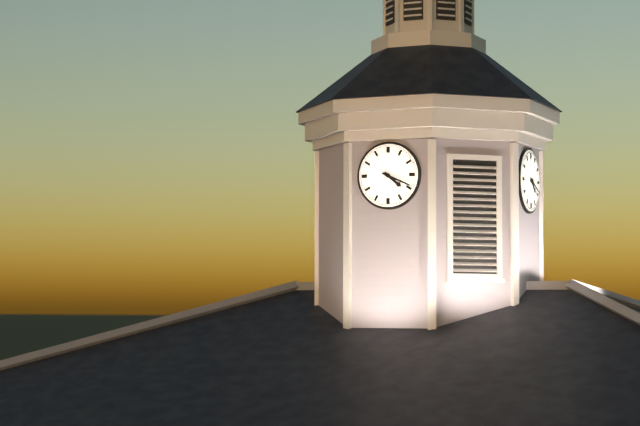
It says 4.19
